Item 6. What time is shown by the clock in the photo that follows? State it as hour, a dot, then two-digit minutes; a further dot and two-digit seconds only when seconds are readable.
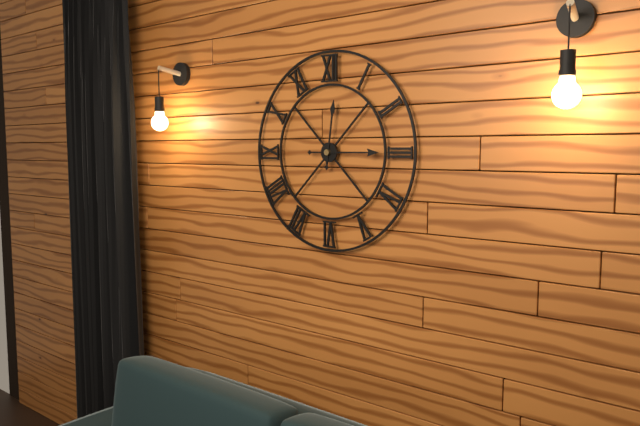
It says 12.15
